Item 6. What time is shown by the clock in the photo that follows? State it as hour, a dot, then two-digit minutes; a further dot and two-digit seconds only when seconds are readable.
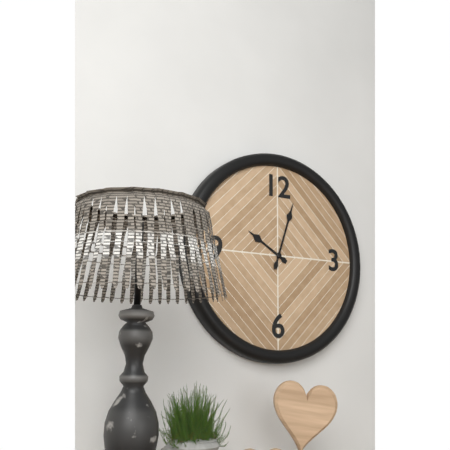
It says 10.03
